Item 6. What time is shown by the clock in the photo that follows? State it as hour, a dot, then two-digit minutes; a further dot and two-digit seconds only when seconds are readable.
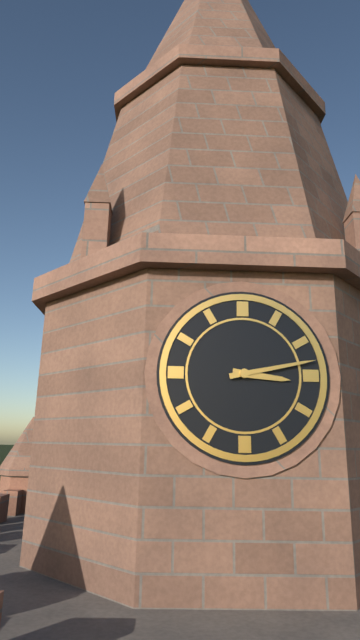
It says 3.13
